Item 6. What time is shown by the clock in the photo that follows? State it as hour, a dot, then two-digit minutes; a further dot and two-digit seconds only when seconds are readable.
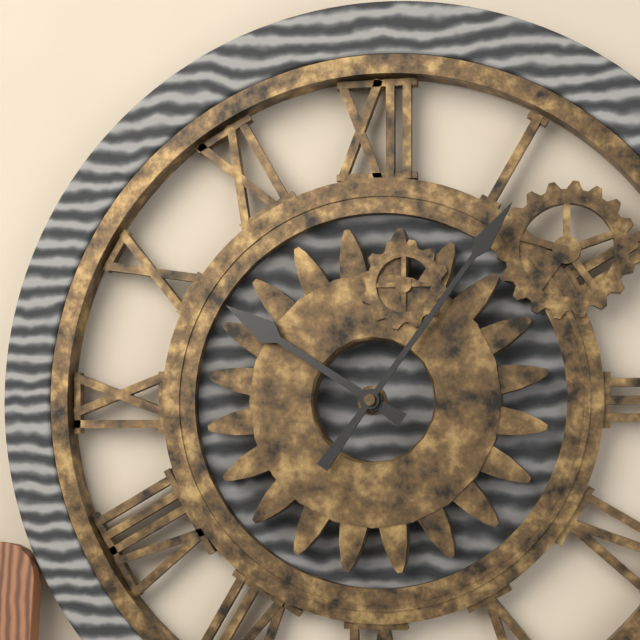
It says 10.06
